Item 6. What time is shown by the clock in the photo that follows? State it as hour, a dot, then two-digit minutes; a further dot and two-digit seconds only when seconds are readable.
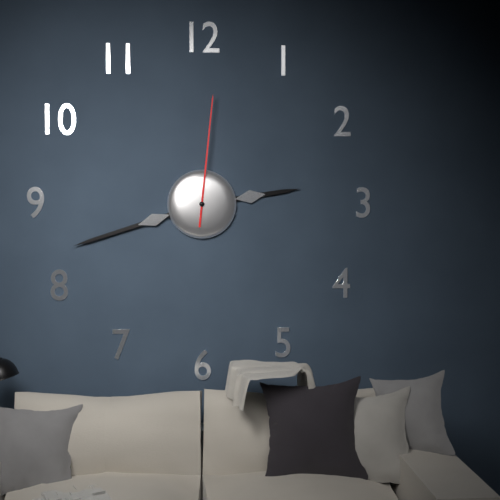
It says 2.42.01
